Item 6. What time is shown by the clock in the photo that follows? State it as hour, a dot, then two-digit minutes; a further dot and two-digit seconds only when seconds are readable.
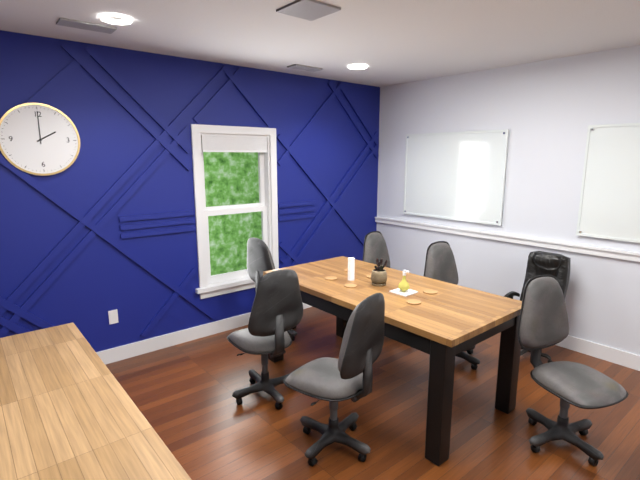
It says 2.00
